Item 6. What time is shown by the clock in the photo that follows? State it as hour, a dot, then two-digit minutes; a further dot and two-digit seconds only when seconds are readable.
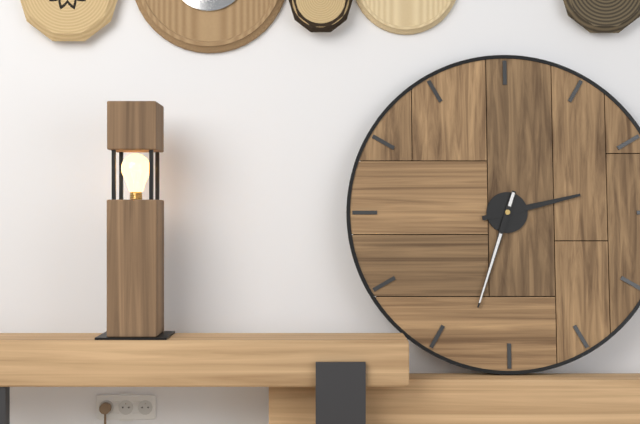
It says 2.33
